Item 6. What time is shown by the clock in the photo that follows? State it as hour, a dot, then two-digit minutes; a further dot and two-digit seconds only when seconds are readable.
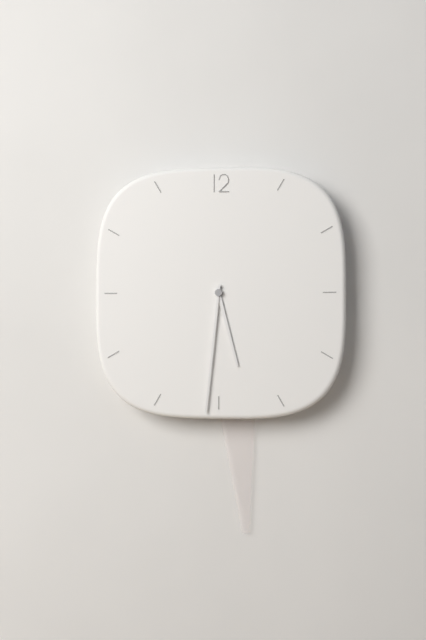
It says 5.31
